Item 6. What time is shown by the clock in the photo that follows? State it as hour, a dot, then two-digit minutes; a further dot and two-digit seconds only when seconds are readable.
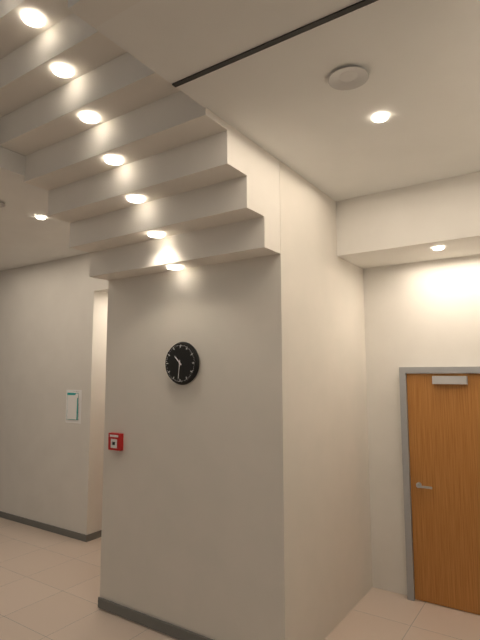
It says 10.31
